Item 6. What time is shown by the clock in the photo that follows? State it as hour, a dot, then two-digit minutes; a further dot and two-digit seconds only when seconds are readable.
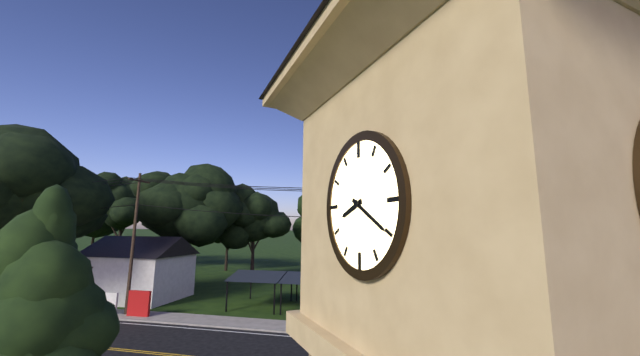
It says 8.20
